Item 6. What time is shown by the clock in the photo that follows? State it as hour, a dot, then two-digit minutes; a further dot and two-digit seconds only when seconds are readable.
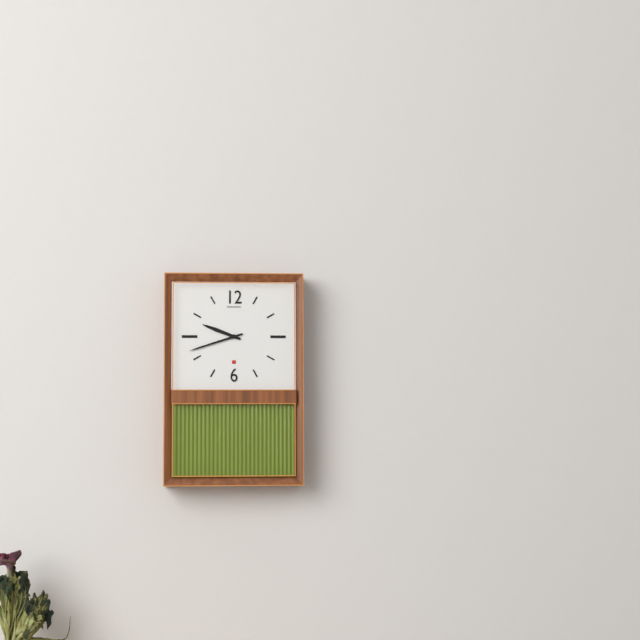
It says 9.42
